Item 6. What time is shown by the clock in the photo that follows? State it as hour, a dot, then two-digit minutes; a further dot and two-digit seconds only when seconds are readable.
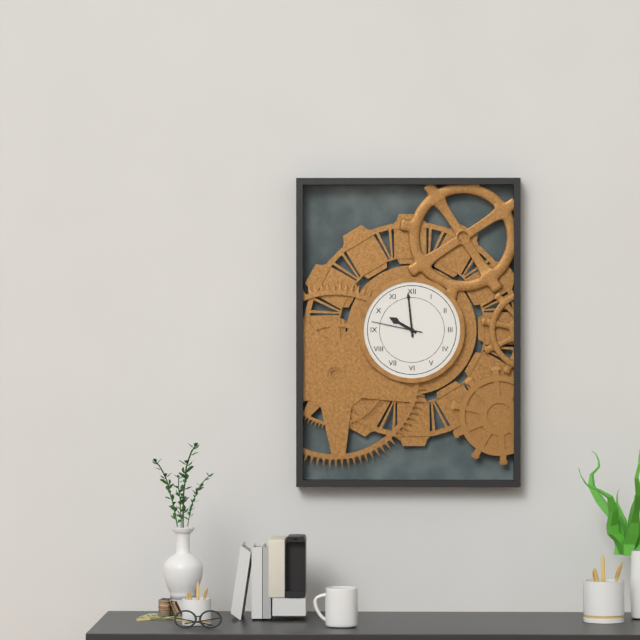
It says 9.59.47
